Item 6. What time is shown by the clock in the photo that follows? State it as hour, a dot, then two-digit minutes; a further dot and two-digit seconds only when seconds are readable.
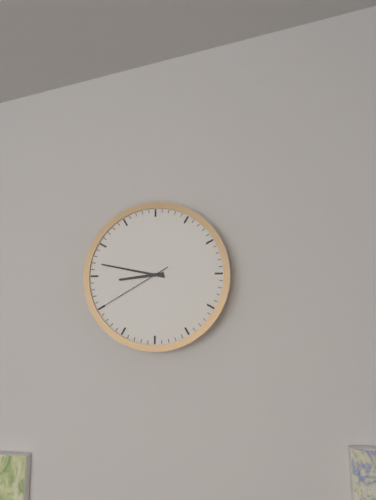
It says 8.47.40
